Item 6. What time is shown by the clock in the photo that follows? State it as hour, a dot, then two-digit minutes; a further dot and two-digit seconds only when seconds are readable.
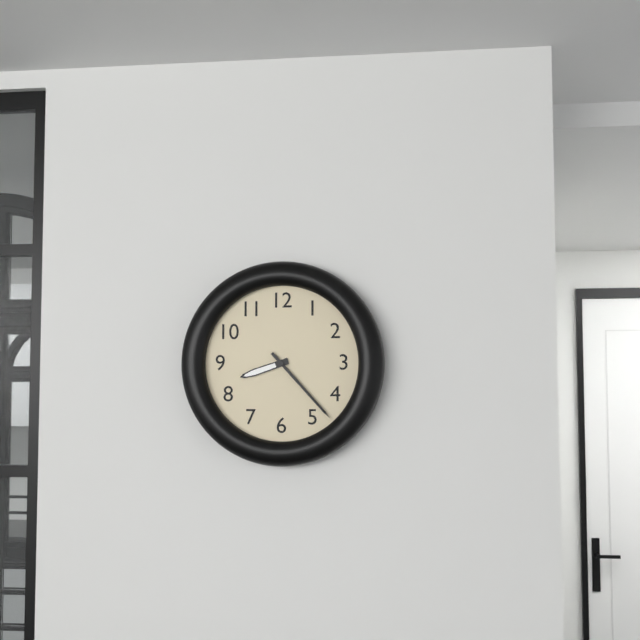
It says 8.23
